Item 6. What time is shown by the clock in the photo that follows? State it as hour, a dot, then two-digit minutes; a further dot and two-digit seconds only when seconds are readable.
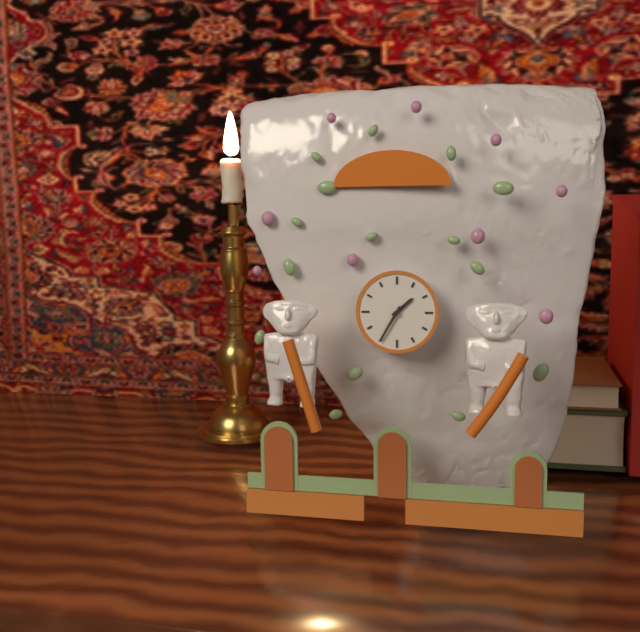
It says 1.35
